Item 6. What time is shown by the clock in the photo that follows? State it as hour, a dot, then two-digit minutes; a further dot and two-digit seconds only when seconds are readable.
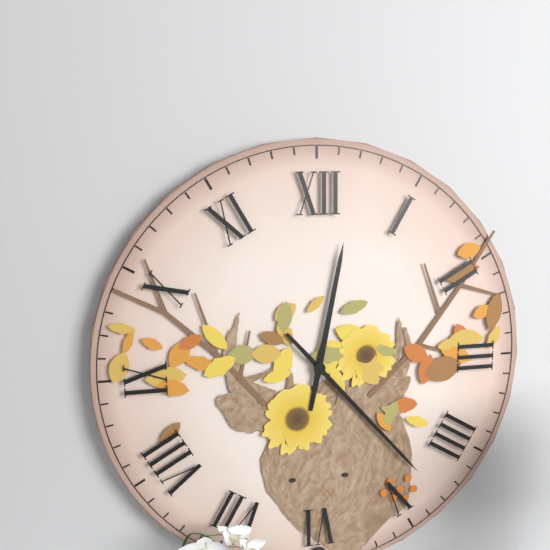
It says 12.23
